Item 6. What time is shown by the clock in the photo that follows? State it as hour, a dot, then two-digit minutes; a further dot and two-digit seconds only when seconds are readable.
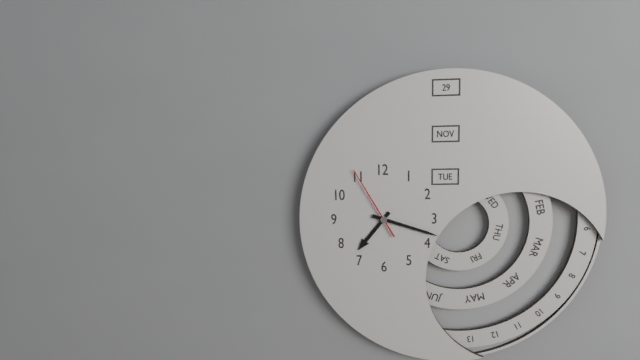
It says 7.18.55
